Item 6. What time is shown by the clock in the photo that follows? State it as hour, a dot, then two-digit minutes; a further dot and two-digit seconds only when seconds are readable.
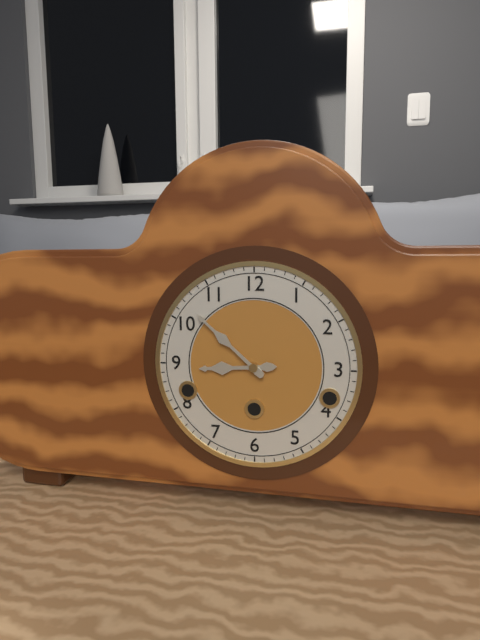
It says 8.52
